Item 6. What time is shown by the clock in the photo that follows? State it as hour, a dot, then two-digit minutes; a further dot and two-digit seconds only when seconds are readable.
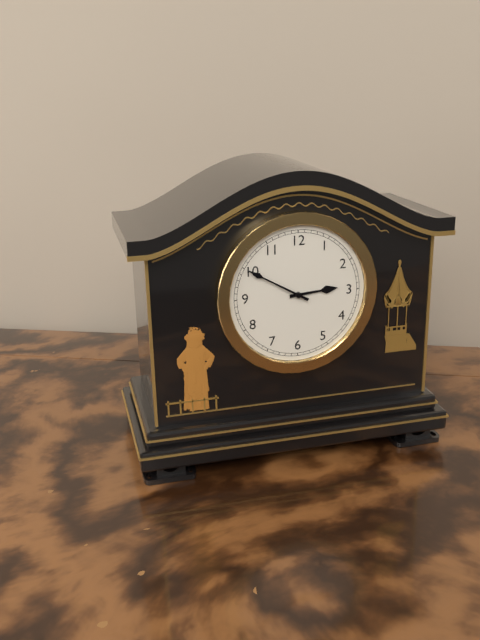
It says 2.50
